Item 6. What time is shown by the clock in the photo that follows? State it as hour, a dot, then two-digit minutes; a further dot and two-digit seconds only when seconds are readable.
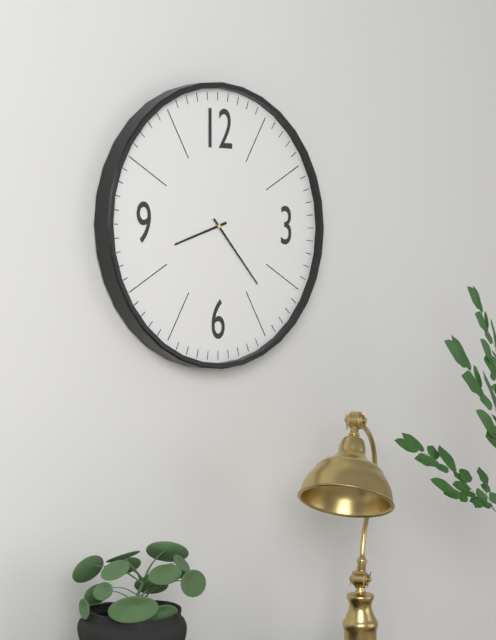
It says 8.23
